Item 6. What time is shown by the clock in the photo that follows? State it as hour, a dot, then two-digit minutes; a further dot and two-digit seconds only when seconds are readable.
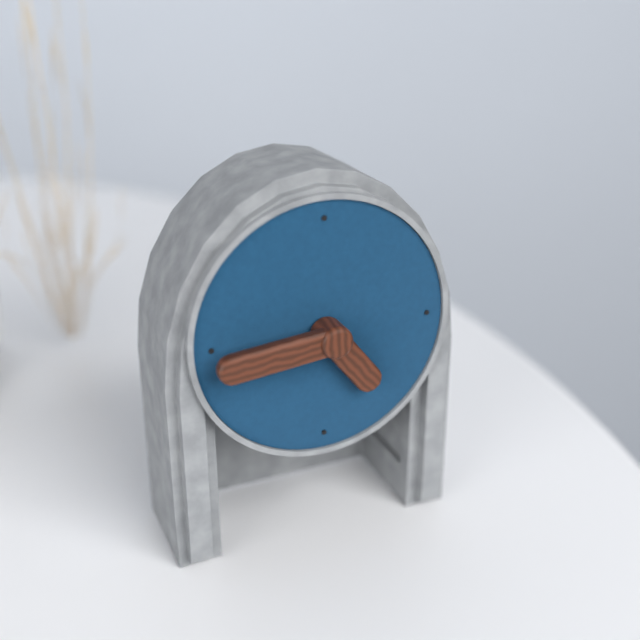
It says 4.44
